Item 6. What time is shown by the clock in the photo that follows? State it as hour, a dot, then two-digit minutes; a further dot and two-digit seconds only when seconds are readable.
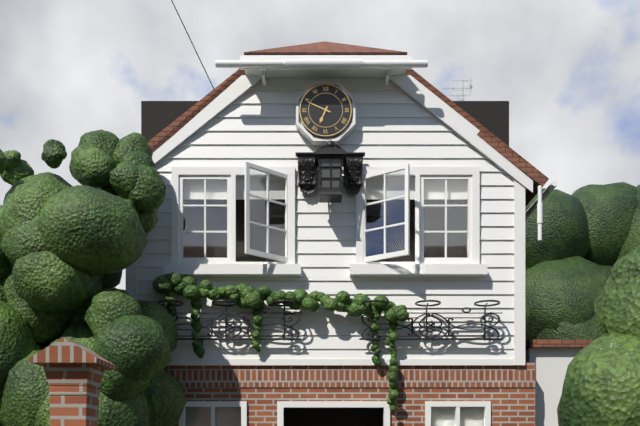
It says 6.49
